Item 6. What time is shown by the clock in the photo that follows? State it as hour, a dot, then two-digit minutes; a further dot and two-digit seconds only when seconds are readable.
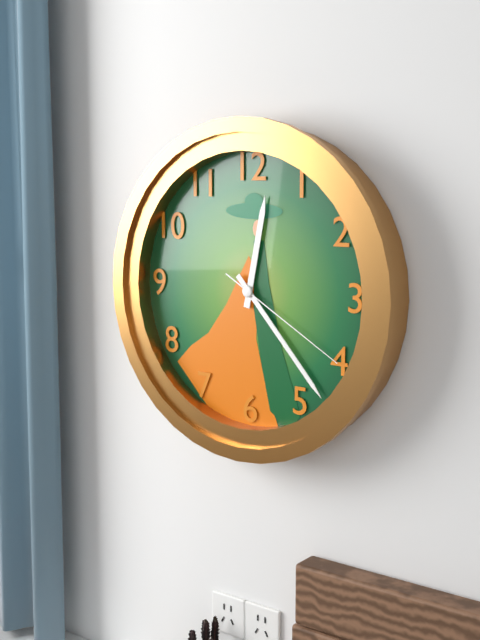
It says 12.23.20
